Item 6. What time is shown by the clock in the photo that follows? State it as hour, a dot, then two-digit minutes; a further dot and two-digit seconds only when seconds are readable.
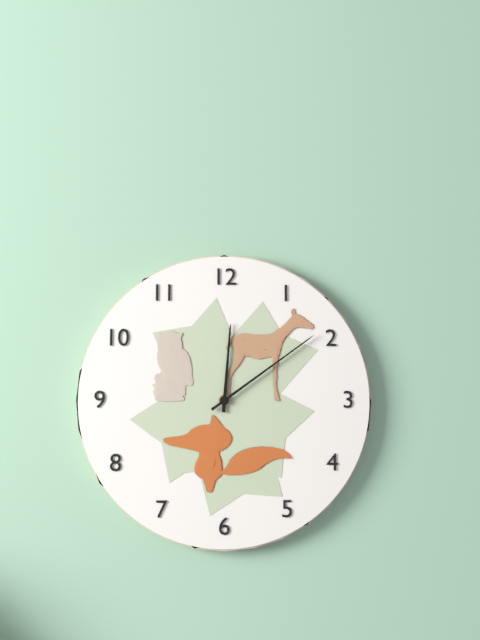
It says 12.09
